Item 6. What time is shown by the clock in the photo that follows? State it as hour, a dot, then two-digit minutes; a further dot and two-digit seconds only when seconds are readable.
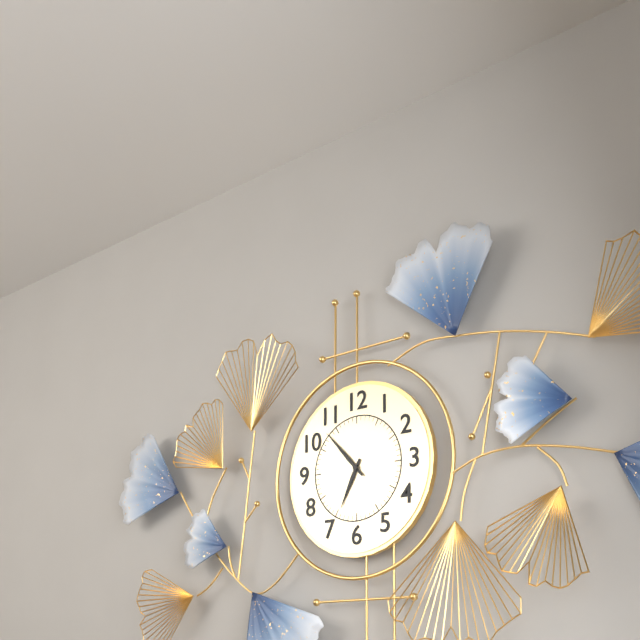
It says 6.53
